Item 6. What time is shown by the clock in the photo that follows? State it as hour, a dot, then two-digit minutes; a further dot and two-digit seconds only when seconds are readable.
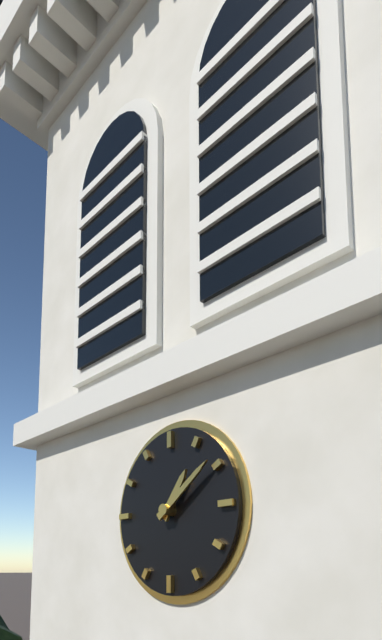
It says 1.09
